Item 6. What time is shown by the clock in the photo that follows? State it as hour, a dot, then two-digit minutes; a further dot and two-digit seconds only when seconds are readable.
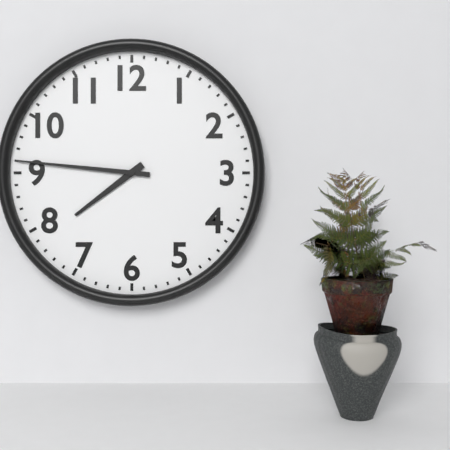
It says 7.46
